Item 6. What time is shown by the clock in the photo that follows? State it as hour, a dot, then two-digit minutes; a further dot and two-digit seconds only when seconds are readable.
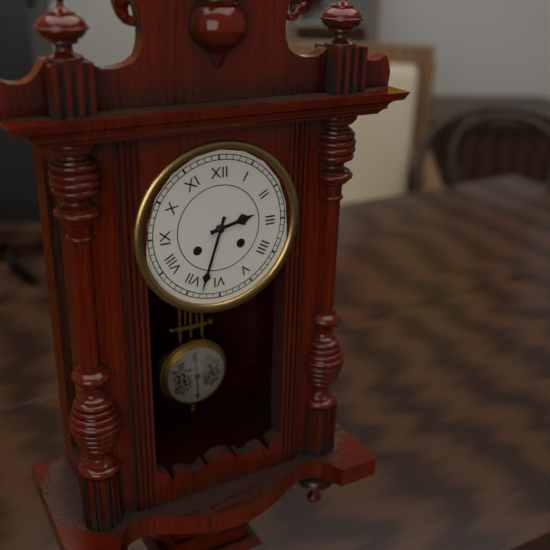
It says 2.33
